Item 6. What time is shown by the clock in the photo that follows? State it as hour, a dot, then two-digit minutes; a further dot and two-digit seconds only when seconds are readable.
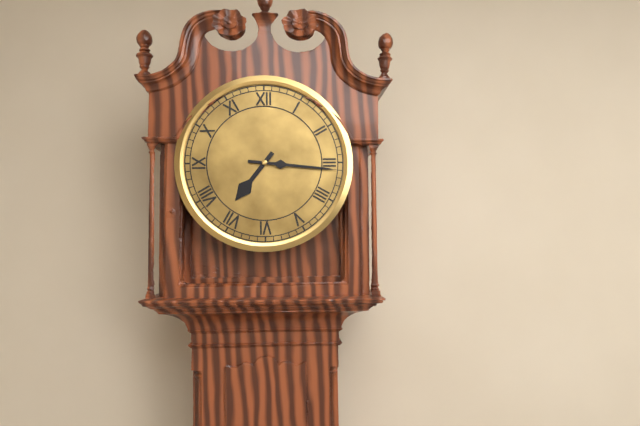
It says 7.16
